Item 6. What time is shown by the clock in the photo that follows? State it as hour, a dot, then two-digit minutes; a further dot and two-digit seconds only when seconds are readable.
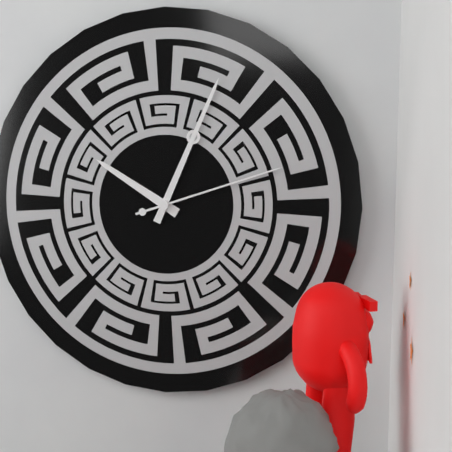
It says 10.04.12
